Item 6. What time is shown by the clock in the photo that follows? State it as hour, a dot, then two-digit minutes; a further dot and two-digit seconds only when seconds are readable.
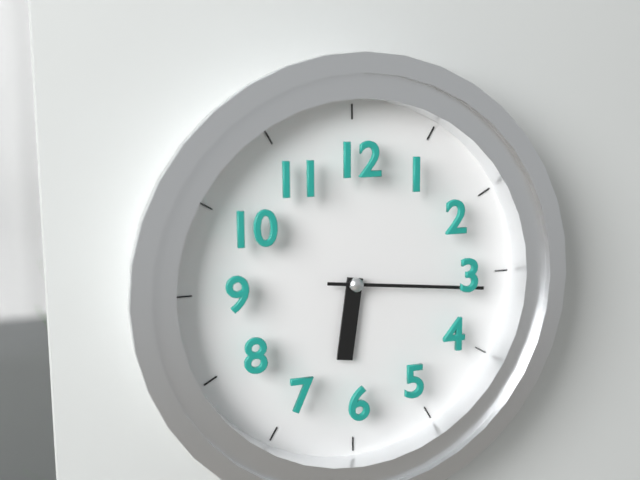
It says 6.16
